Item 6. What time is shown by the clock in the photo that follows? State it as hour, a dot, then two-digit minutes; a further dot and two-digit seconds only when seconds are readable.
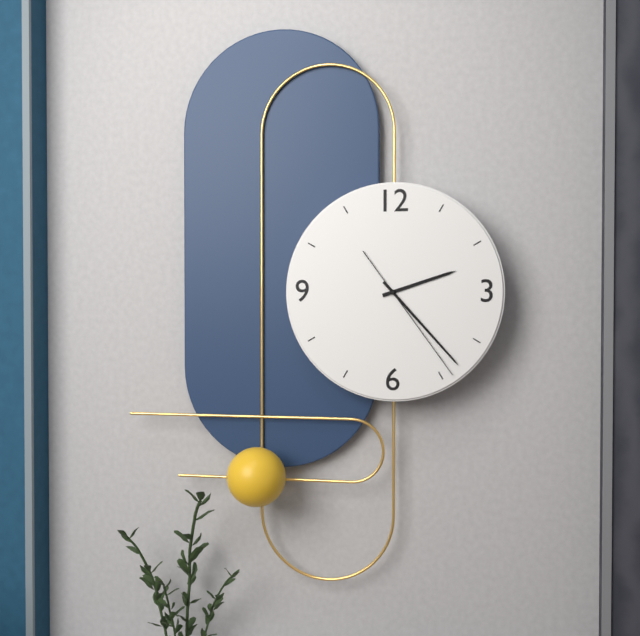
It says 2.23.24
